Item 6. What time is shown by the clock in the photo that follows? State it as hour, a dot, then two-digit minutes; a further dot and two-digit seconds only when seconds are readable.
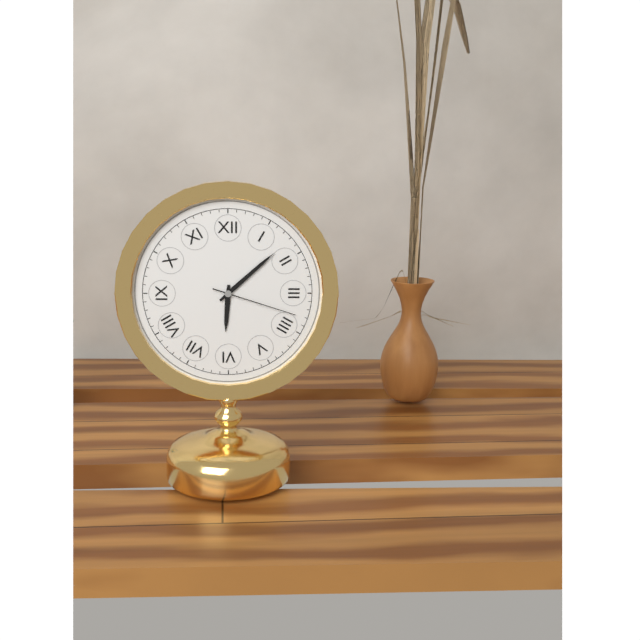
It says 6.08.18
